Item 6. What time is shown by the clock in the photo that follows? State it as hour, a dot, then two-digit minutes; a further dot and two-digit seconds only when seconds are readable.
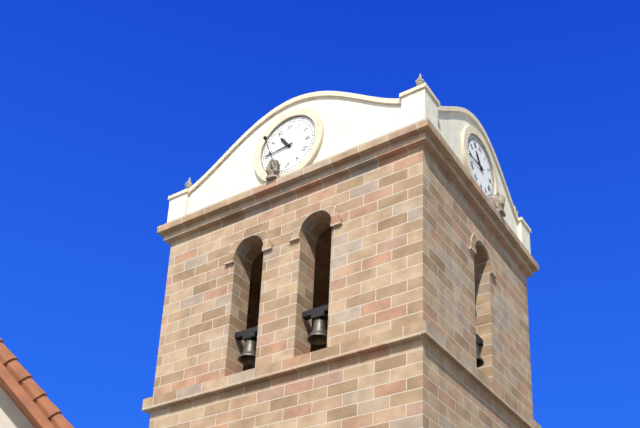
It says 10.44
